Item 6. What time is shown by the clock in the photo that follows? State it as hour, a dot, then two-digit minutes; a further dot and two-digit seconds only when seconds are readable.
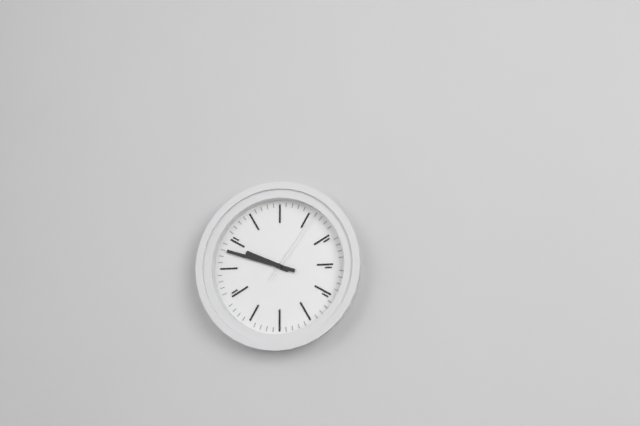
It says 9.48.06
